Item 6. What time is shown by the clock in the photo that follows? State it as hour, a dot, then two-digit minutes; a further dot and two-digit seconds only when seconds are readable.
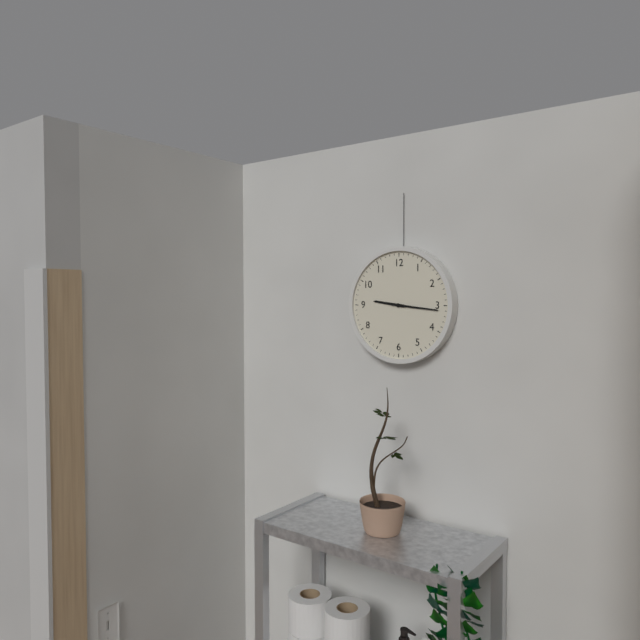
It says 9.16
